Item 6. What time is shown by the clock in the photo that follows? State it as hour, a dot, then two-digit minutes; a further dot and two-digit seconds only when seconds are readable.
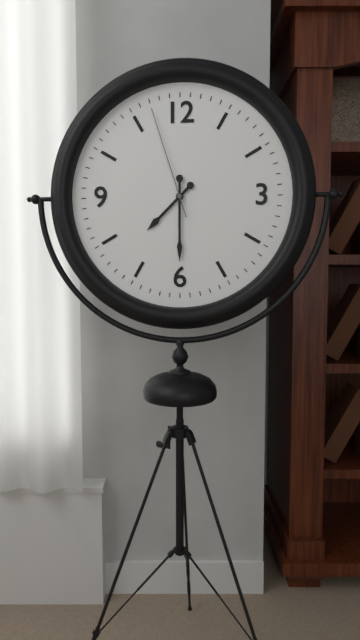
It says 7.30.57
